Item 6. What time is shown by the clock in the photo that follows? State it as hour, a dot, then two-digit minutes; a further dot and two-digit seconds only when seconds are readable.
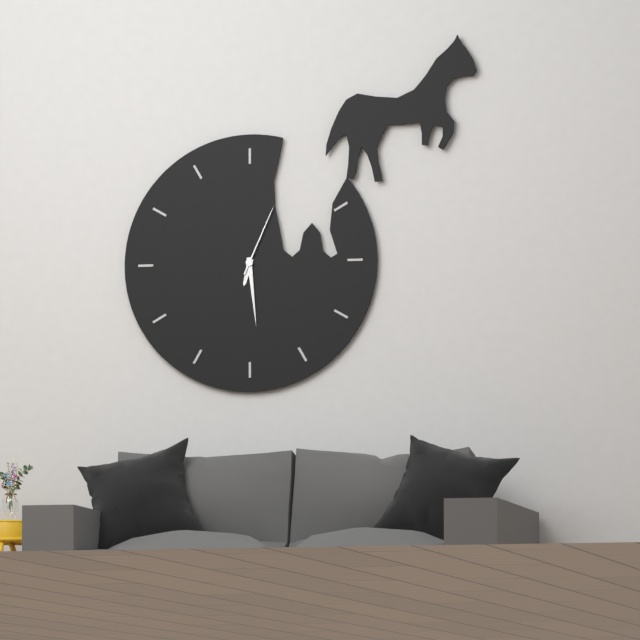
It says 6.29.04
